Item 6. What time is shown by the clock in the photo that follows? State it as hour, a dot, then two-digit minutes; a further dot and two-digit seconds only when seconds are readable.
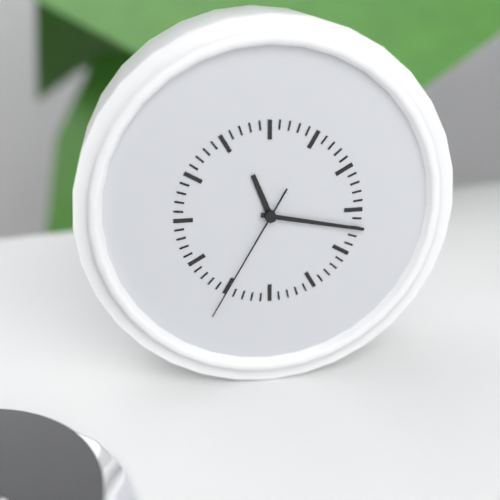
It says 11.17.35
